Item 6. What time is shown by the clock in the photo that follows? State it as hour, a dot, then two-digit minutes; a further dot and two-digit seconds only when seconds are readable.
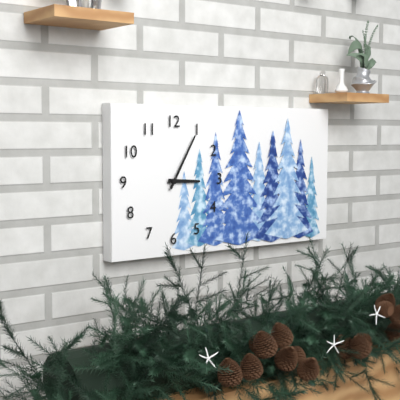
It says 3.05
